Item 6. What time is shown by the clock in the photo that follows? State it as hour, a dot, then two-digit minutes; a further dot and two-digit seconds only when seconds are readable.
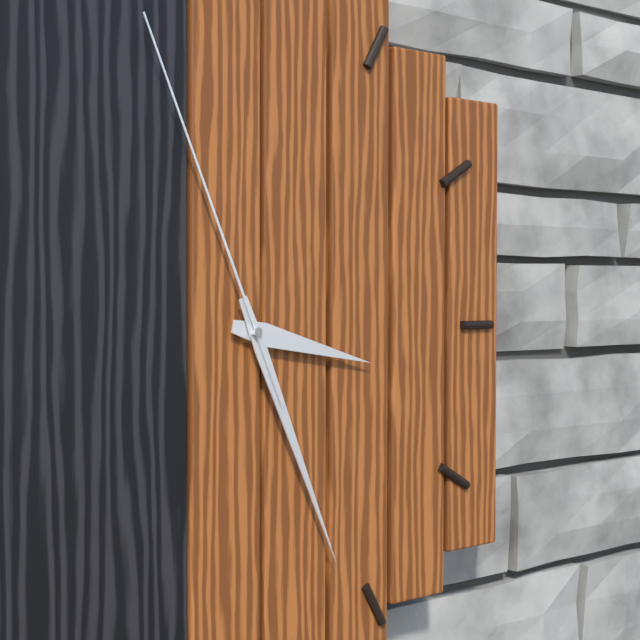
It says 3.26.56
